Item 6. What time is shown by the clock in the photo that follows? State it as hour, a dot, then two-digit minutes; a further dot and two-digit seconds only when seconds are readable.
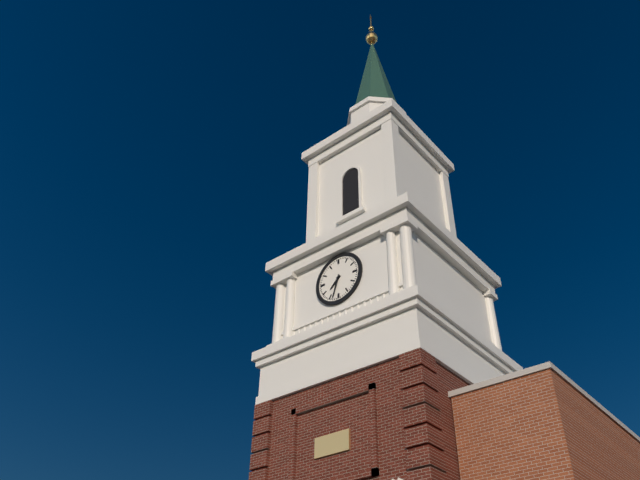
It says 7.33
